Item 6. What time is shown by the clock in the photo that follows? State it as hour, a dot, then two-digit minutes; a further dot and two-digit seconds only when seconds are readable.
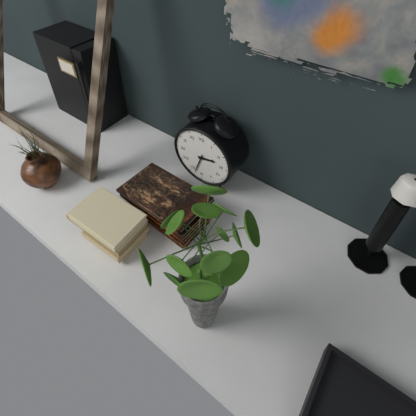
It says 2.33
